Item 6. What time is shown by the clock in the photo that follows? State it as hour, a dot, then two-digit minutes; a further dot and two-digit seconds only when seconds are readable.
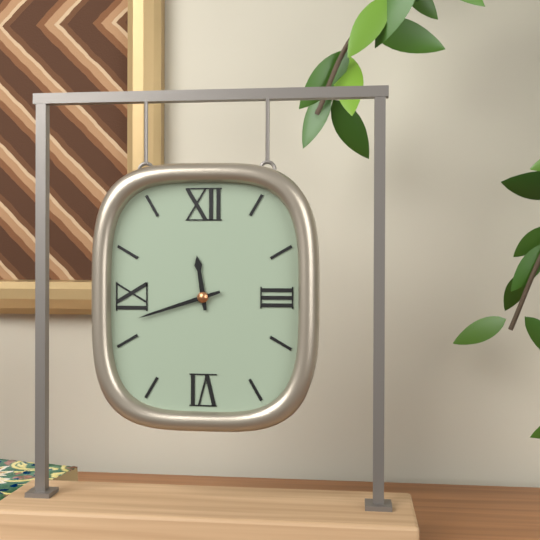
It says 11.42
